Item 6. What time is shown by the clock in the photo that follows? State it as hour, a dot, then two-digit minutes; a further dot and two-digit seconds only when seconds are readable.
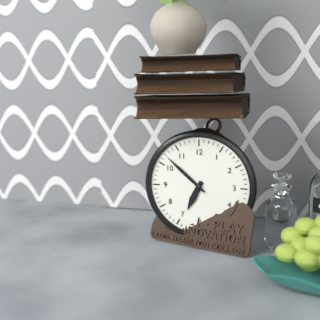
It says 6.52
